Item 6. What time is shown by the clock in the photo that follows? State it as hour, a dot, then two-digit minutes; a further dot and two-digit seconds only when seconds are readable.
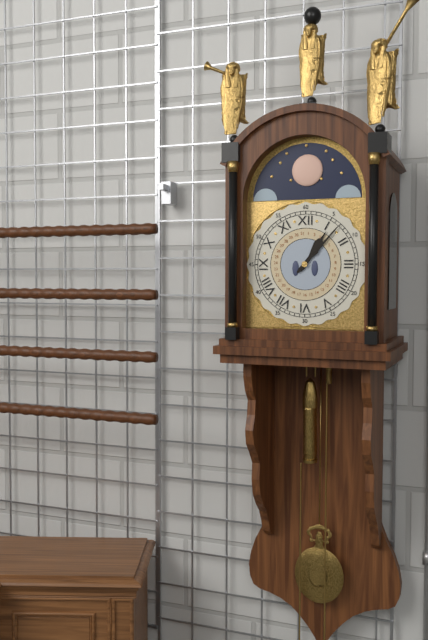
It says 1.07
